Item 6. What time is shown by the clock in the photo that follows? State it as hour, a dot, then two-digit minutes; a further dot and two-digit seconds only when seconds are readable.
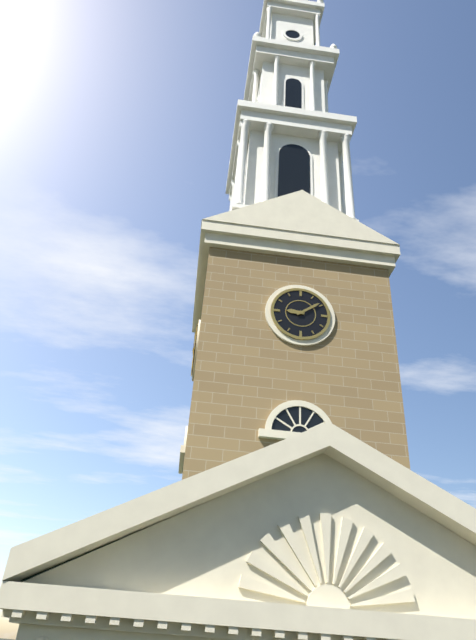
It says 9.09
